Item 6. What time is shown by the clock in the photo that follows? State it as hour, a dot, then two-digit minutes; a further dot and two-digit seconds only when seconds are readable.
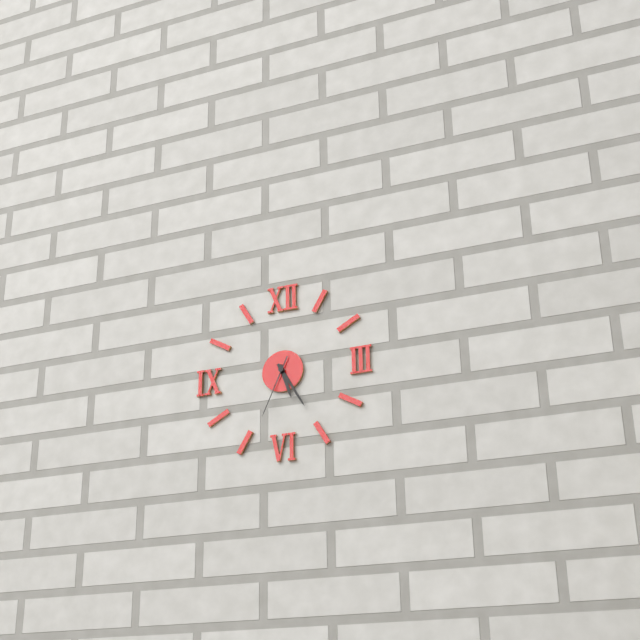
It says 5.25.34
